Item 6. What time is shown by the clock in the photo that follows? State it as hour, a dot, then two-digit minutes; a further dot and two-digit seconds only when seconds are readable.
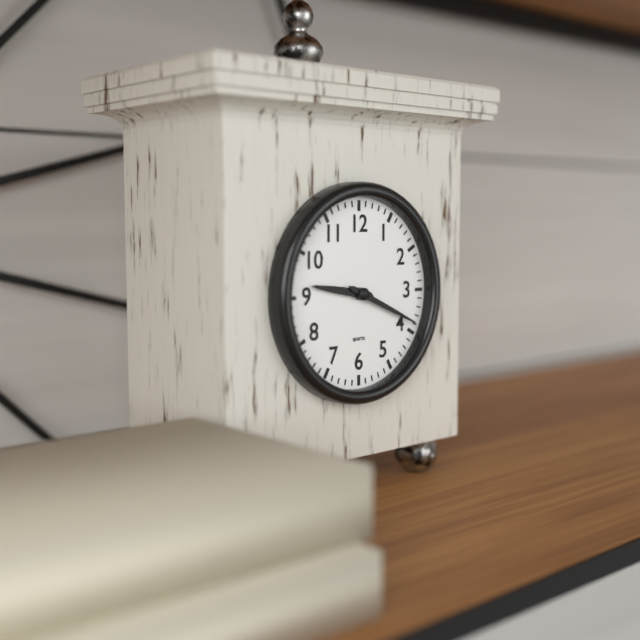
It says 9.19
